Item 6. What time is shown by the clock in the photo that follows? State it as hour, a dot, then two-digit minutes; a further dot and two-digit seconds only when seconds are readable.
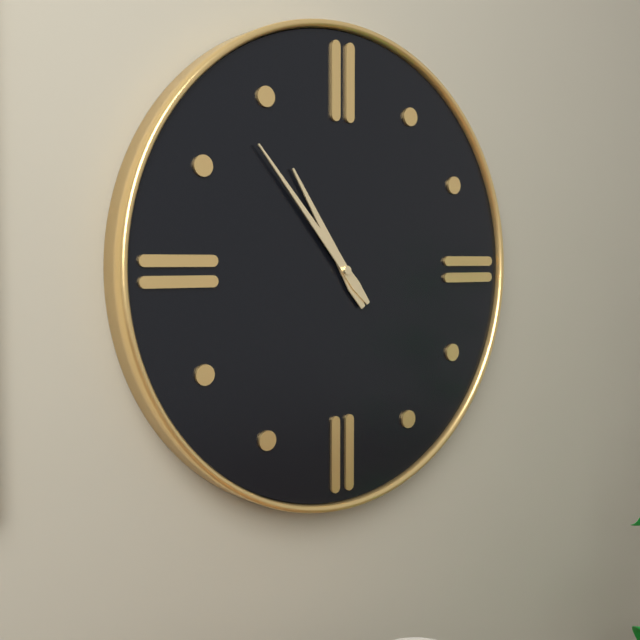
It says 10.53
